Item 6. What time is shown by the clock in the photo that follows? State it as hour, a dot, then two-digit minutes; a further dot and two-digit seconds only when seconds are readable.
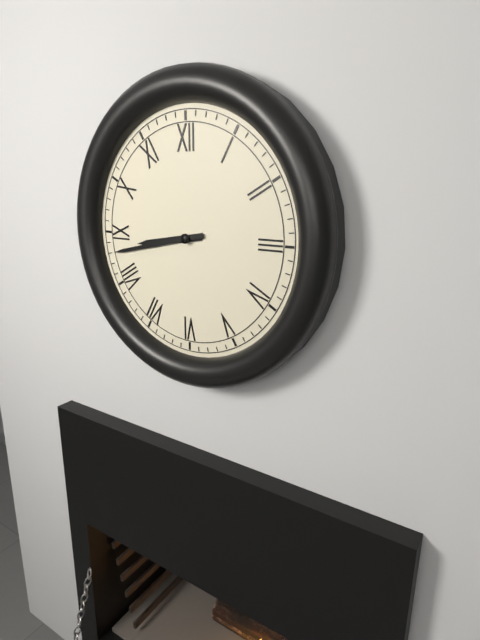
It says 8.43
